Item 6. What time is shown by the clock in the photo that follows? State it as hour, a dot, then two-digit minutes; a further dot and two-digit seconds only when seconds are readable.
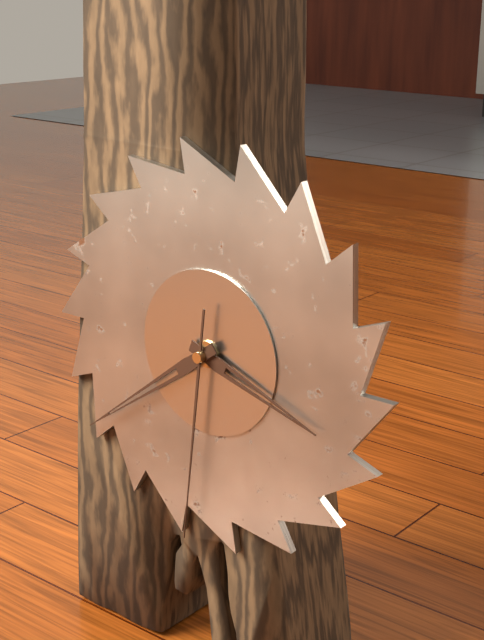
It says 3.39.31
